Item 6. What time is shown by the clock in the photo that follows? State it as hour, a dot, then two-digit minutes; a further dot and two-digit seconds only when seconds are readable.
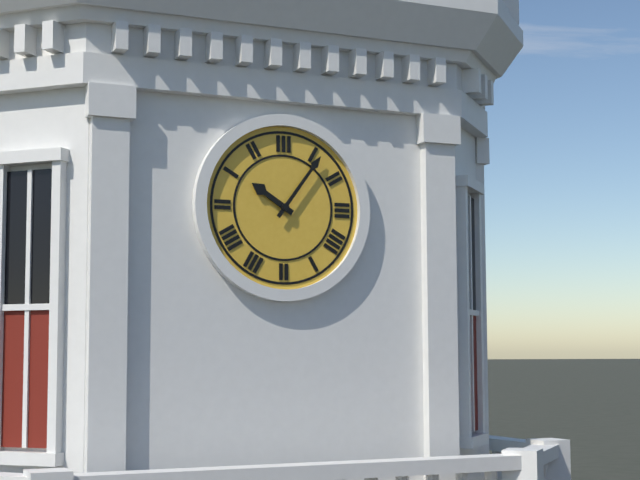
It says 10.06
